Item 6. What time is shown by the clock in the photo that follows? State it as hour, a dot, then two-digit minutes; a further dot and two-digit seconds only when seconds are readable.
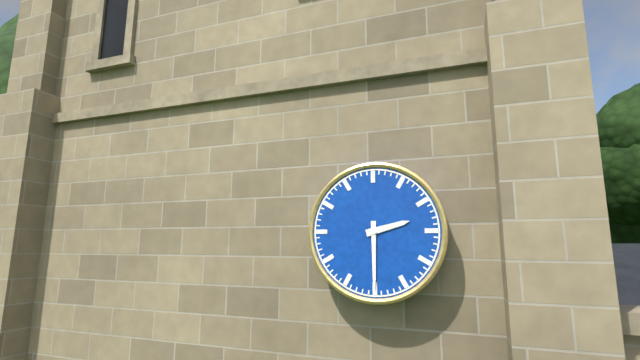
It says 2.30
